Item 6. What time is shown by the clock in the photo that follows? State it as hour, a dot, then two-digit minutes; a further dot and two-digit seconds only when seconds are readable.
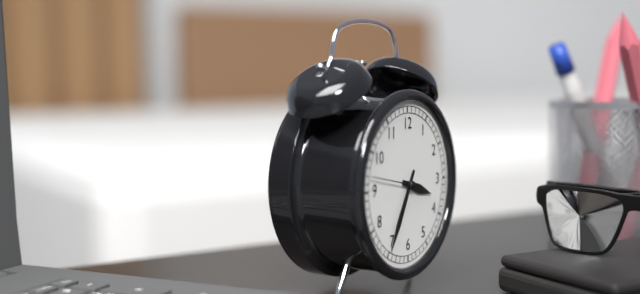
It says 3.35.47
